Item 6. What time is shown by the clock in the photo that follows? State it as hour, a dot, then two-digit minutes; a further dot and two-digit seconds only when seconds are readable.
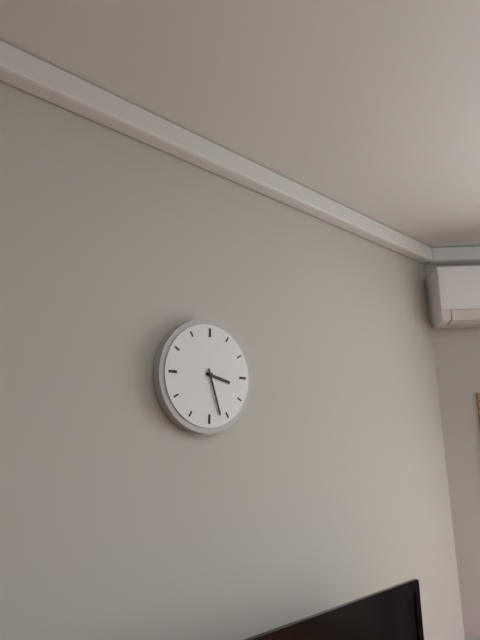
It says 3.27
